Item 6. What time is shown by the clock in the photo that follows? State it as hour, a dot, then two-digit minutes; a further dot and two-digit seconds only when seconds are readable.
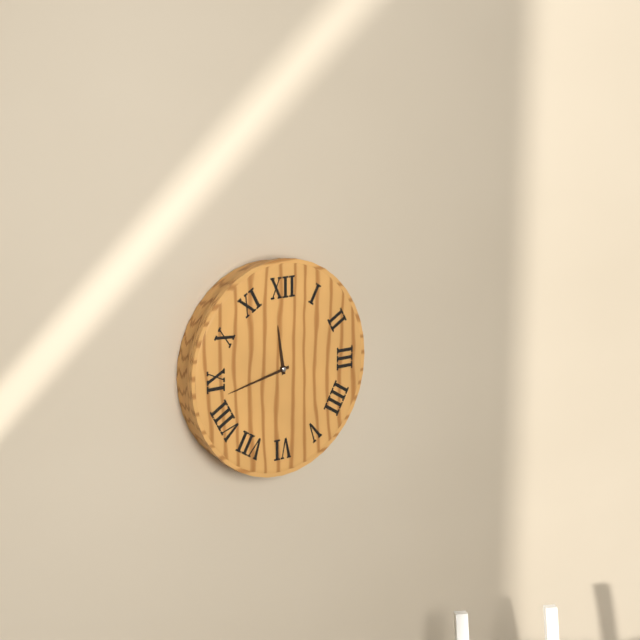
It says 11.43
